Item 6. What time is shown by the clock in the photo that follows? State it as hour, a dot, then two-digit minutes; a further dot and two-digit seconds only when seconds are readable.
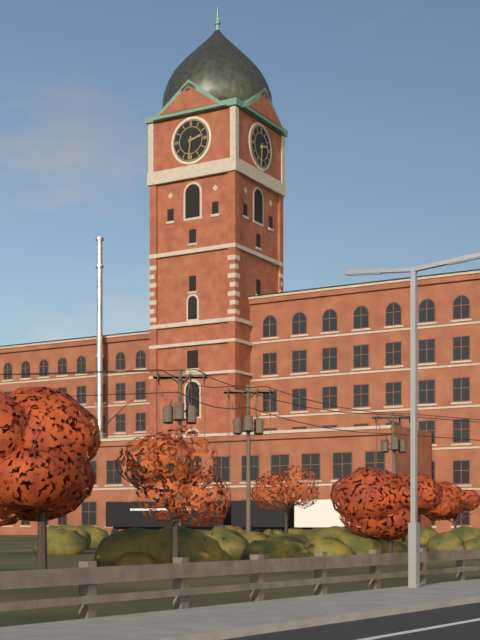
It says 2.31
